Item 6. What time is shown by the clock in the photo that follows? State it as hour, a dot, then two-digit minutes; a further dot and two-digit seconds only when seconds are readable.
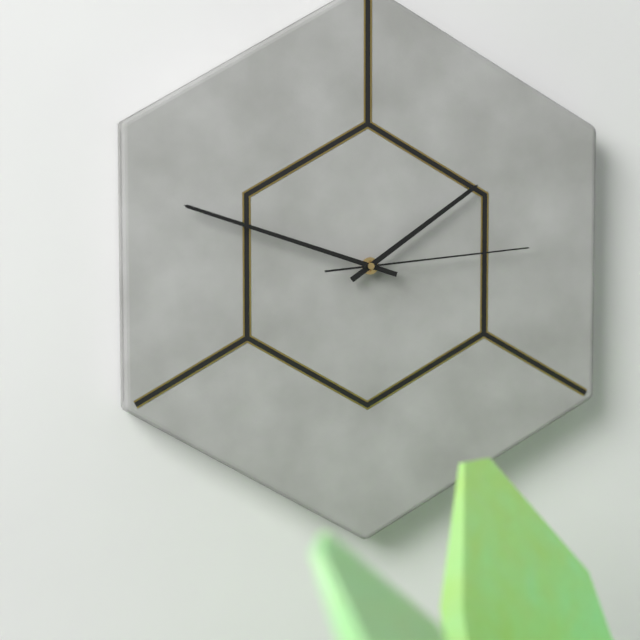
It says 1.48.14
